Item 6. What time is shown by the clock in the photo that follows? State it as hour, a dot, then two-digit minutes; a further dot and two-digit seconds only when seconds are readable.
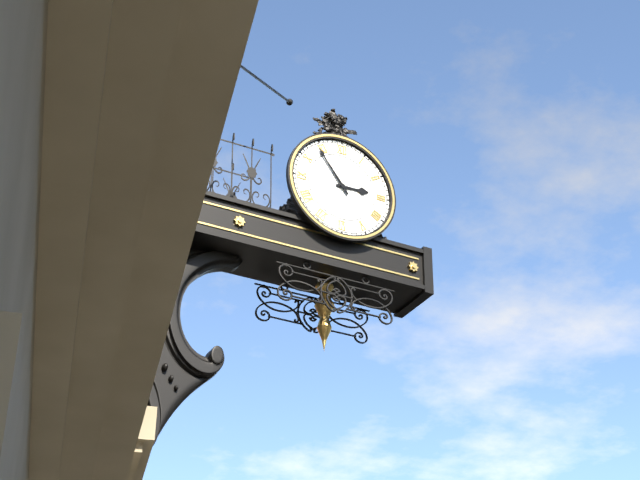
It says 2.54
